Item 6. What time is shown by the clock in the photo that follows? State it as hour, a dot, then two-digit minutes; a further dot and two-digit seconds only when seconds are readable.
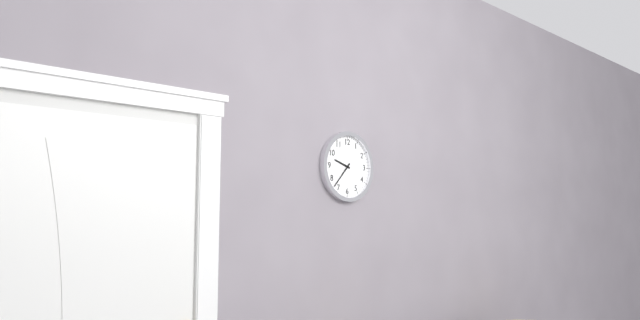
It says 9.37
